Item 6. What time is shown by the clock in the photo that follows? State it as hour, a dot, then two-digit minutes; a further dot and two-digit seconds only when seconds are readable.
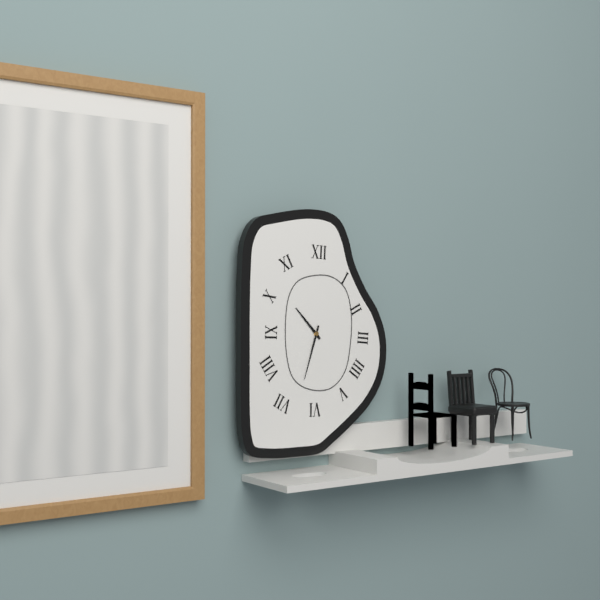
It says 10.33
